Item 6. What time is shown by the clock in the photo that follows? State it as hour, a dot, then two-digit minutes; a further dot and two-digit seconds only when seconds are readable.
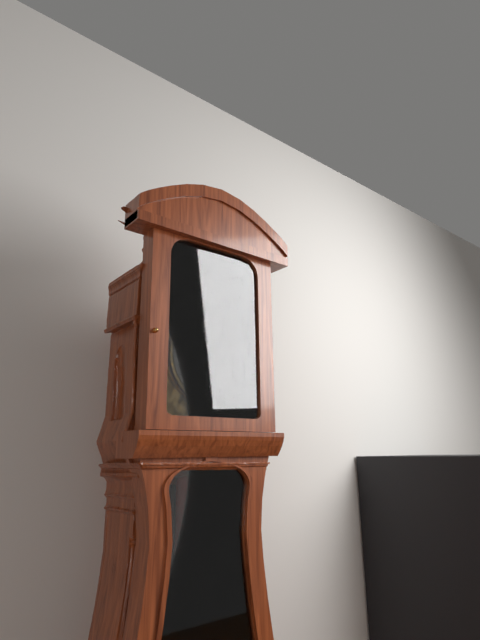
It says 10.50
